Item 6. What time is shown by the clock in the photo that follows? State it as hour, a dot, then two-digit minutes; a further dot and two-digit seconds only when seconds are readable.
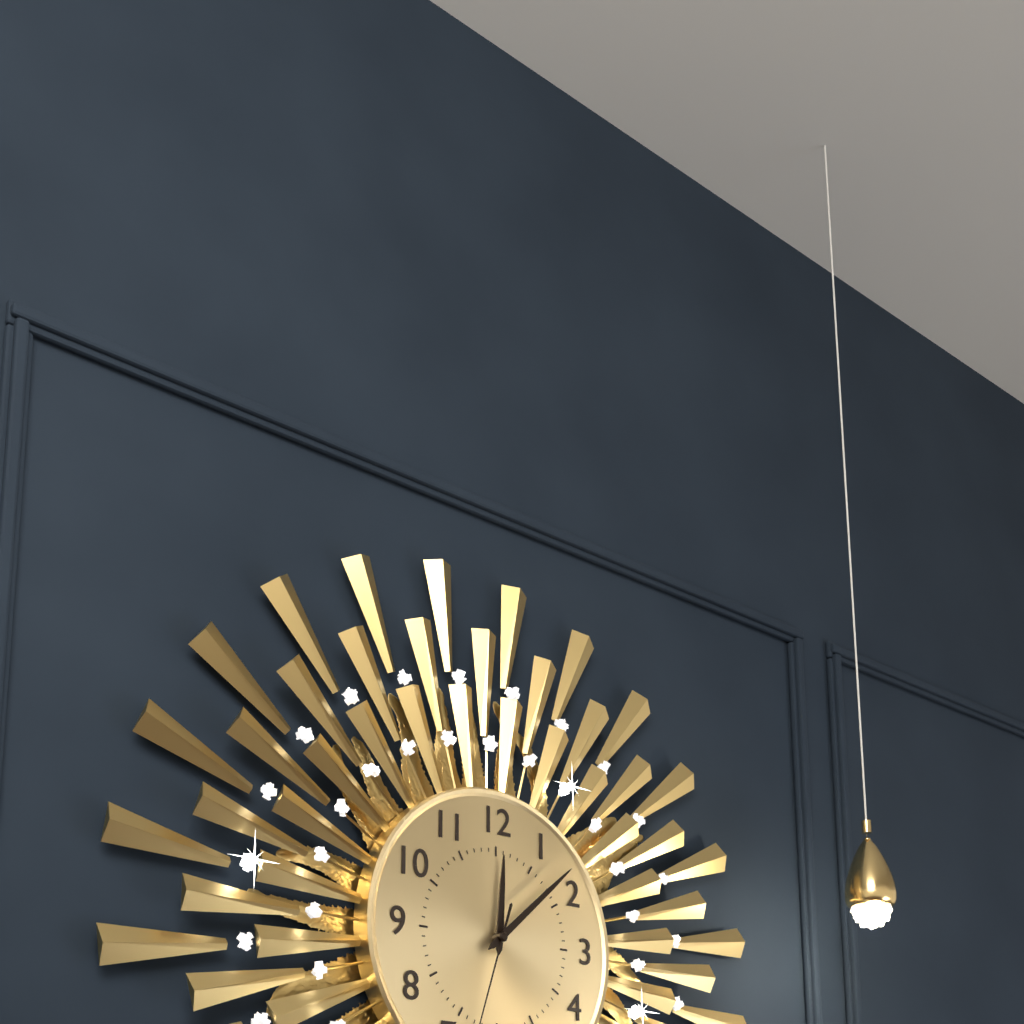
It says 12.08
